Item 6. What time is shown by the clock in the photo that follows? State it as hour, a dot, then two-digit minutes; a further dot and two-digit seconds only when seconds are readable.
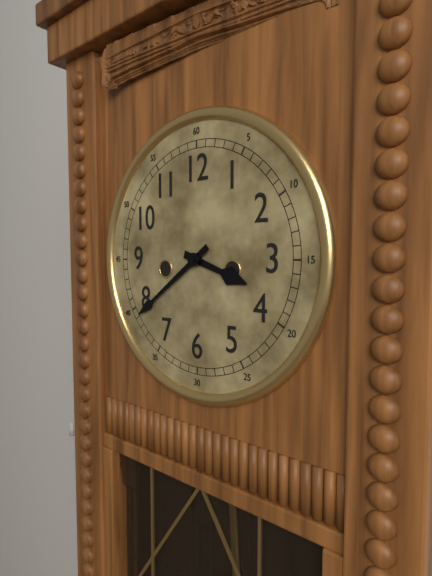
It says 3.39
